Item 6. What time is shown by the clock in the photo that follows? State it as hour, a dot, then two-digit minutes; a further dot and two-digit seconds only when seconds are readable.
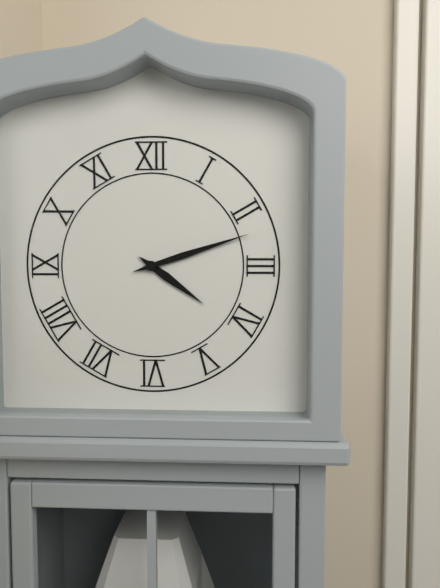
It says 4.12
